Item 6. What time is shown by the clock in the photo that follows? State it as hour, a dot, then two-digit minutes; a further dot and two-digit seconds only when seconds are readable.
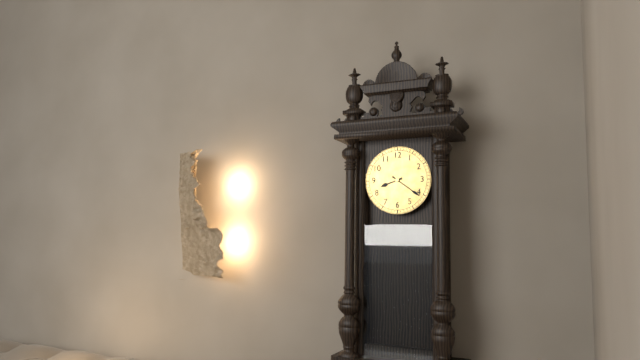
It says 8.21
